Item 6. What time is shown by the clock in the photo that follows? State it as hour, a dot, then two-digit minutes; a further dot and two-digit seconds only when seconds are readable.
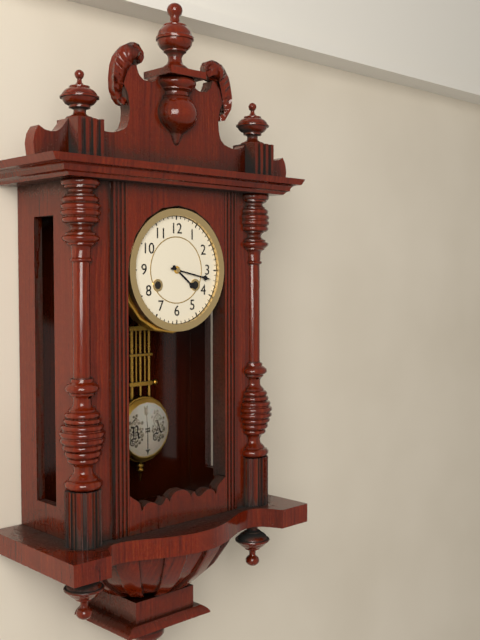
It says 4.17
